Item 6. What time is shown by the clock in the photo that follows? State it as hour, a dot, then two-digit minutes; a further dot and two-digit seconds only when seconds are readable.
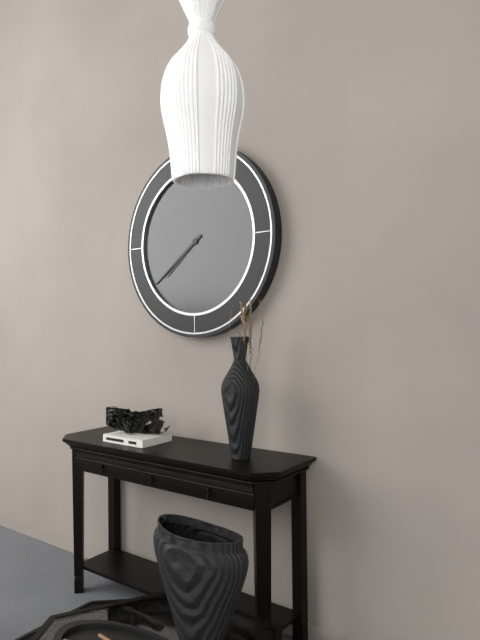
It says 7.39
